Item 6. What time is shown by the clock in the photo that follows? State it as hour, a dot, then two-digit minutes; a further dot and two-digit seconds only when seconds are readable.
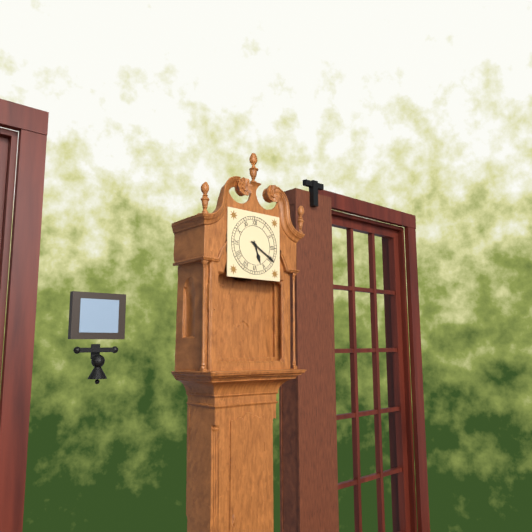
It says 5.20
